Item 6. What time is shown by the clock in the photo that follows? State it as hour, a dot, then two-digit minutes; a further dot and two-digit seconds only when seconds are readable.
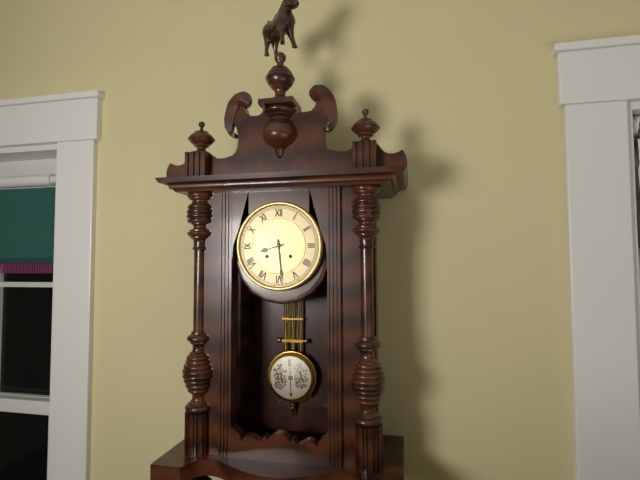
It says 8.29
